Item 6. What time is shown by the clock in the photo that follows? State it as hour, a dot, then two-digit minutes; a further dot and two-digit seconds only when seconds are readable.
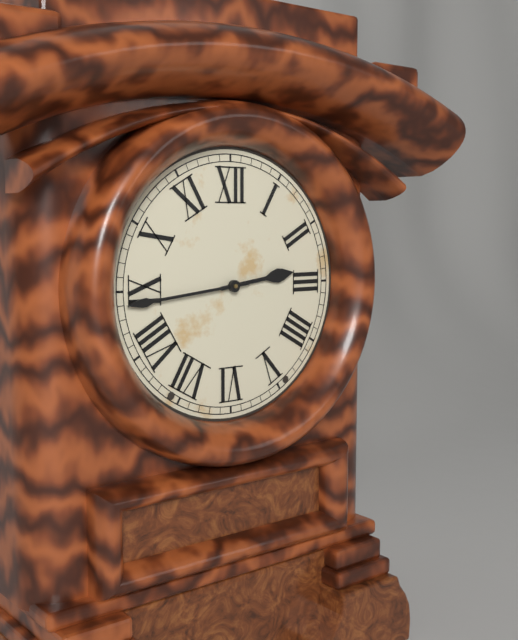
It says 2.44
